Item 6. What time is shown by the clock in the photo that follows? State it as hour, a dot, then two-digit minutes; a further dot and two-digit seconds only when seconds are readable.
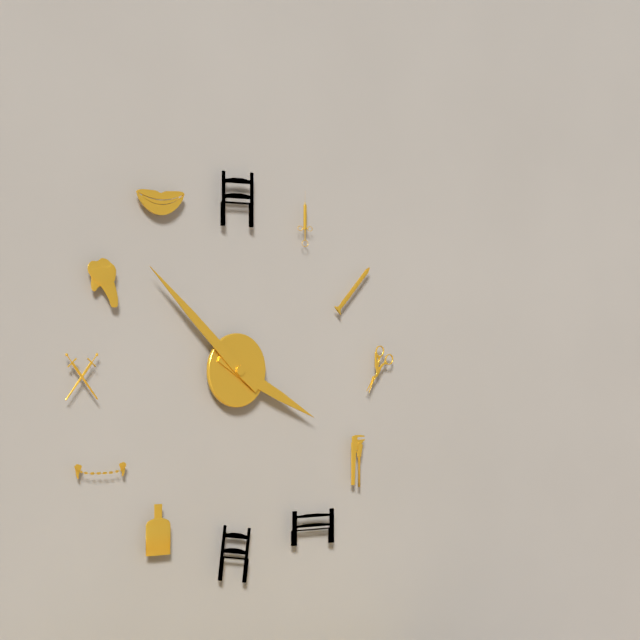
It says 3.52
